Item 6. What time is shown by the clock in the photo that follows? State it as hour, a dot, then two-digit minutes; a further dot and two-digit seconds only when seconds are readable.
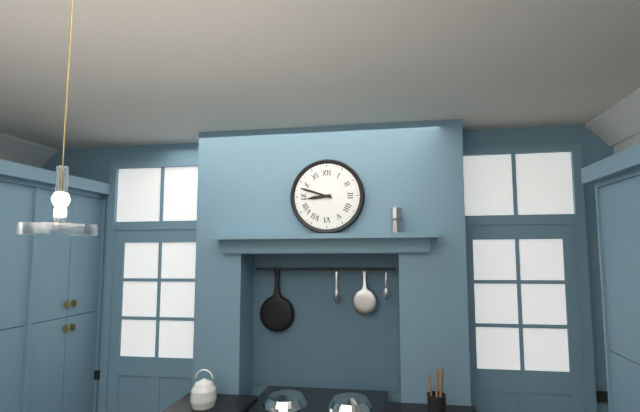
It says 8.48
